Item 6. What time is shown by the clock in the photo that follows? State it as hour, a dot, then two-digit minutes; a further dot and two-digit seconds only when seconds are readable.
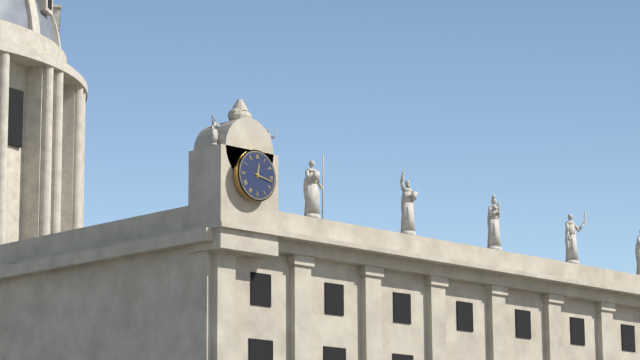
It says 12.17
